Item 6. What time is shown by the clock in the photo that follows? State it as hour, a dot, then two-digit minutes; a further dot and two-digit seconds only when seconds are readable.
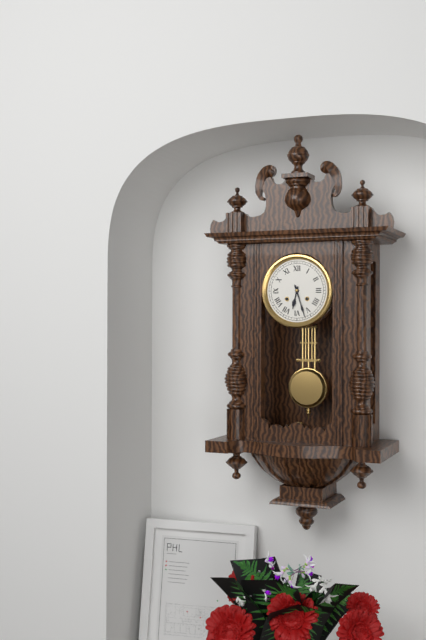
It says 6.27
